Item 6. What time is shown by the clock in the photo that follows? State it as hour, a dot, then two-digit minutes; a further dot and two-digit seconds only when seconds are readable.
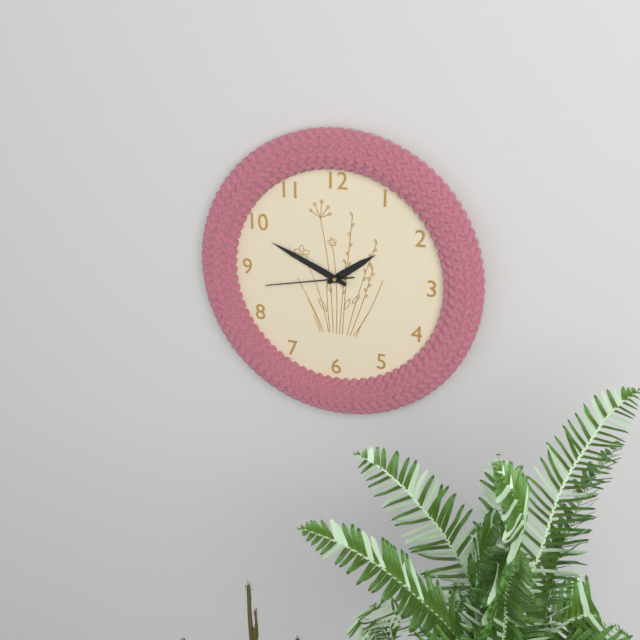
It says 1.49.43
